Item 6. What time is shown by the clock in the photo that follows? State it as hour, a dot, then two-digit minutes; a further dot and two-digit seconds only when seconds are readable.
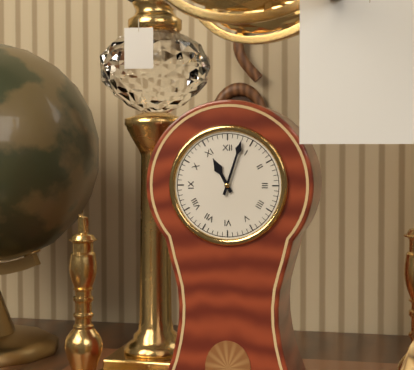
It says 11.03
